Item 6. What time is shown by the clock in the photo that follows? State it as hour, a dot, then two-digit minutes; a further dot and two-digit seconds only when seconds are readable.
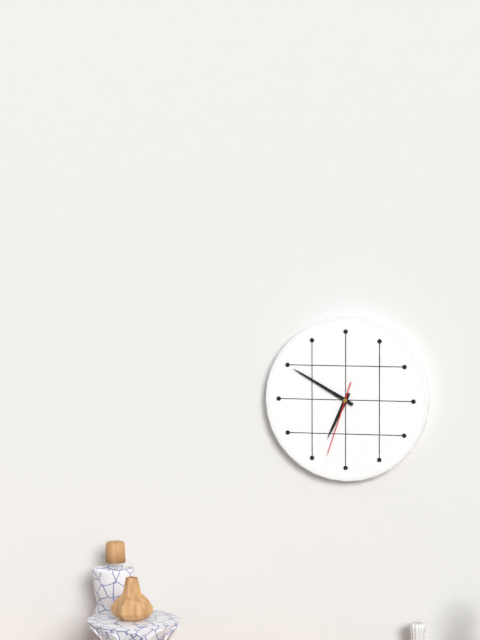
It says 6.50.33
